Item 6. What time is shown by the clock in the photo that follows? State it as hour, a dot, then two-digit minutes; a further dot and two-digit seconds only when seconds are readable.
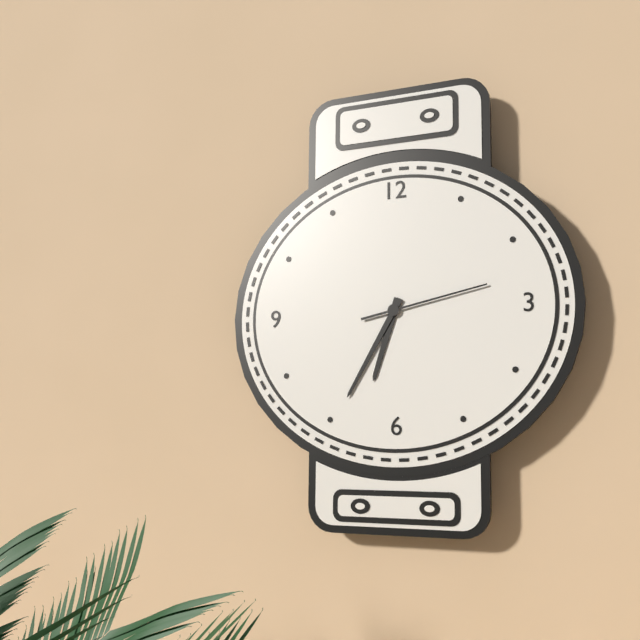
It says 6.35.13
